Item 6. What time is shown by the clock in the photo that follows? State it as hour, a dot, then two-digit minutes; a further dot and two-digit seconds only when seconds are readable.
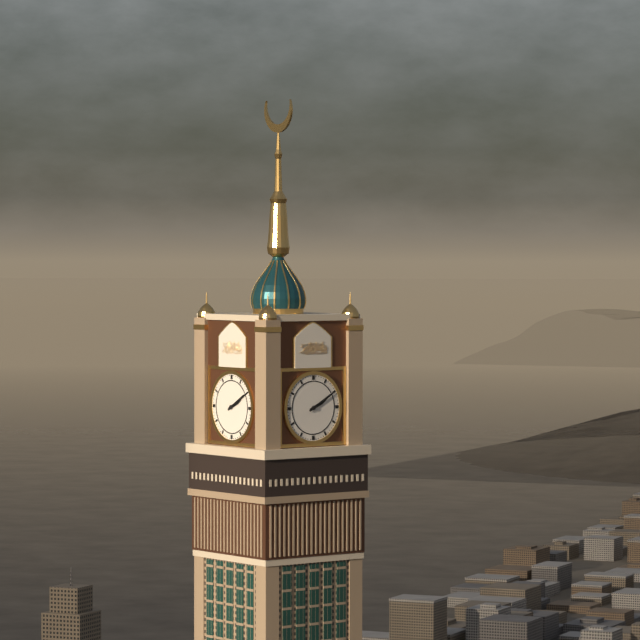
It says 2.10
